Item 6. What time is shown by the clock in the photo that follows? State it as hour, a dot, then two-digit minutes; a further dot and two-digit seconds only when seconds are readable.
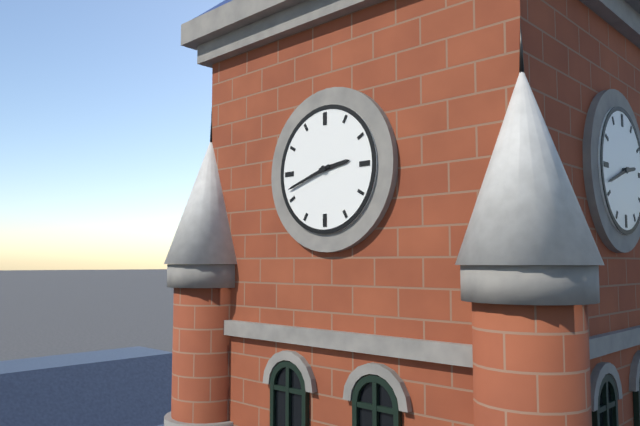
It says 2.42
